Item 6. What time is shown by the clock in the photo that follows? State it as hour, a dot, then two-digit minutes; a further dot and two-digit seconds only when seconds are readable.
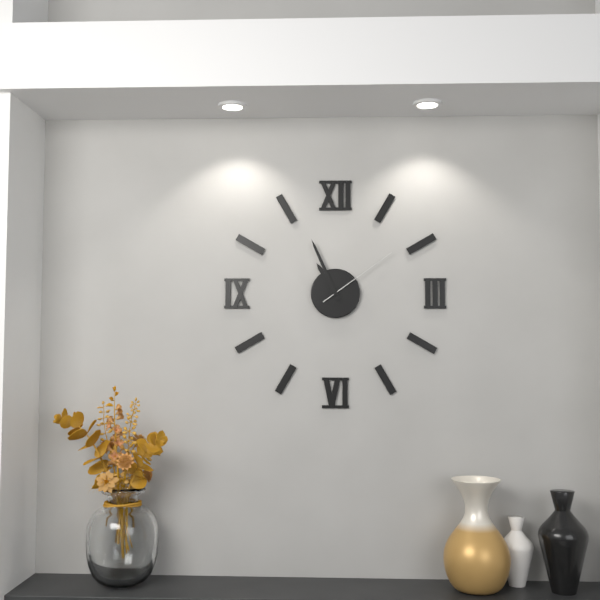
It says 10.56.09
